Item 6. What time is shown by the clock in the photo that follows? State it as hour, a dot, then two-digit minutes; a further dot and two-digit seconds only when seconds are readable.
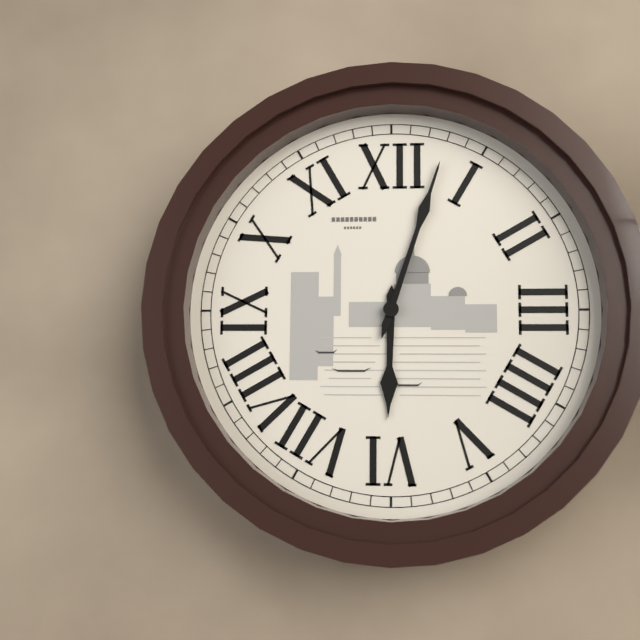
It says 6.03
